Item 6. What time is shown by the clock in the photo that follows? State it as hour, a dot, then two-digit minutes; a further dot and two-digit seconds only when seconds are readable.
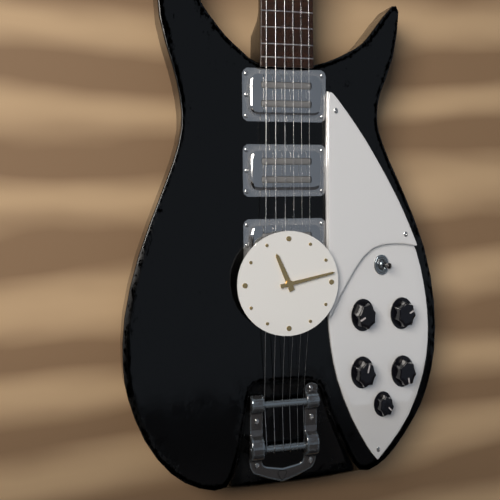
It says 11.13
